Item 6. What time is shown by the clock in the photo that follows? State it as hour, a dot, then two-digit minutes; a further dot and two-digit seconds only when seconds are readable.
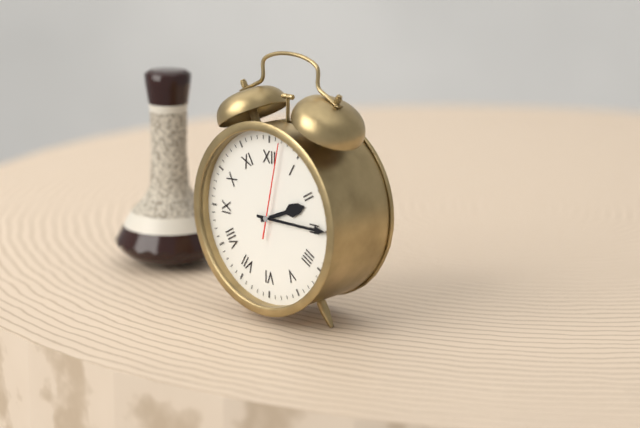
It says 2.15.02
